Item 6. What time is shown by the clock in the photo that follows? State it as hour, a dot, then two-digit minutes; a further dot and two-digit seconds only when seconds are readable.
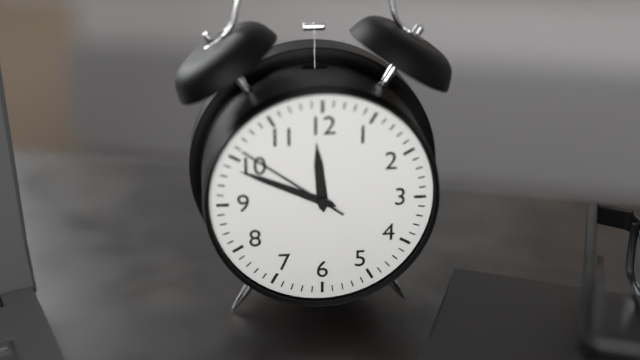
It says 11.49.51
